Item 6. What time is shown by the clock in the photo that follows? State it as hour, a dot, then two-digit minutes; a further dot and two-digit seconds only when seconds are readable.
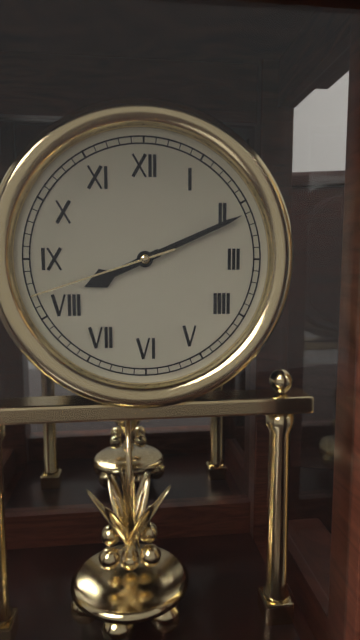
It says 8.11.42
